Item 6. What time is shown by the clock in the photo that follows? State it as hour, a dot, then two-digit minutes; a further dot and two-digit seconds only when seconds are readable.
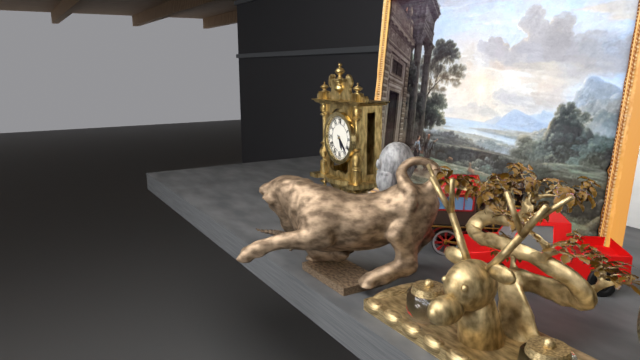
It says 5.23
